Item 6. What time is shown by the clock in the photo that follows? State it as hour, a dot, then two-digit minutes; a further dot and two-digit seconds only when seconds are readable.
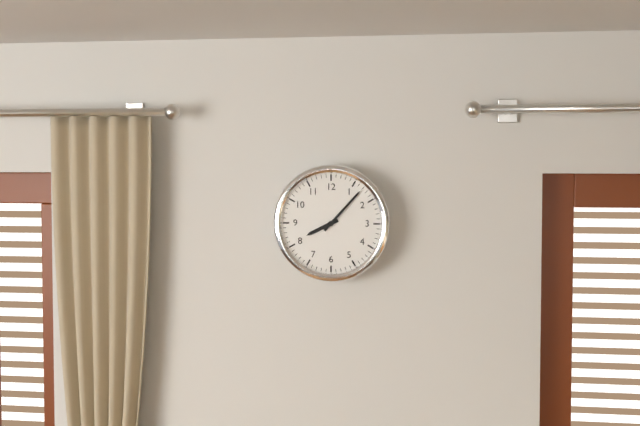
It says 8.07
